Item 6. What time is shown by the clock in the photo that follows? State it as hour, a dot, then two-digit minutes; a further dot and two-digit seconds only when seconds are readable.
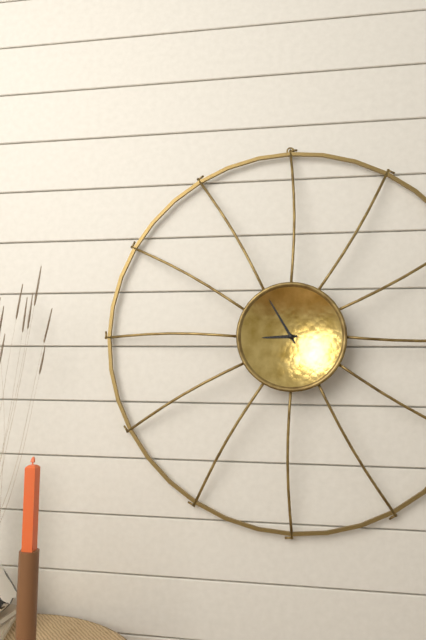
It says 8.55
